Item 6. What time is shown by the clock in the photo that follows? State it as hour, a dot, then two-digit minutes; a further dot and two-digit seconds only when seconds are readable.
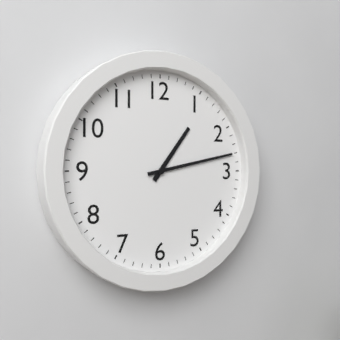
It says 1.13
